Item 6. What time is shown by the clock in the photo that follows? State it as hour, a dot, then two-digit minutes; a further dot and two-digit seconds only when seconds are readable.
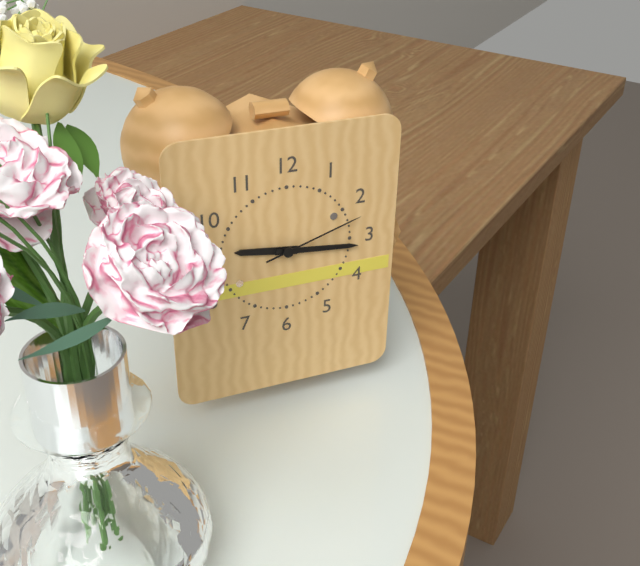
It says 9.16.12
